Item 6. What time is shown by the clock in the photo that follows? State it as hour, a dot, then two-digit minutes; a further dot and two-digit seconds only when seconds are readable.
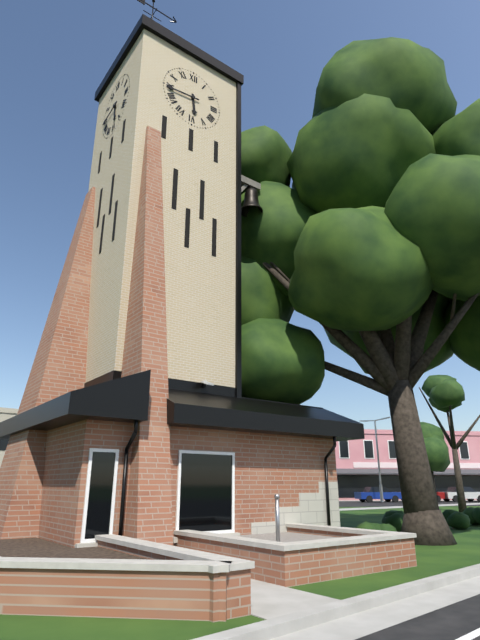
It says 5.44
